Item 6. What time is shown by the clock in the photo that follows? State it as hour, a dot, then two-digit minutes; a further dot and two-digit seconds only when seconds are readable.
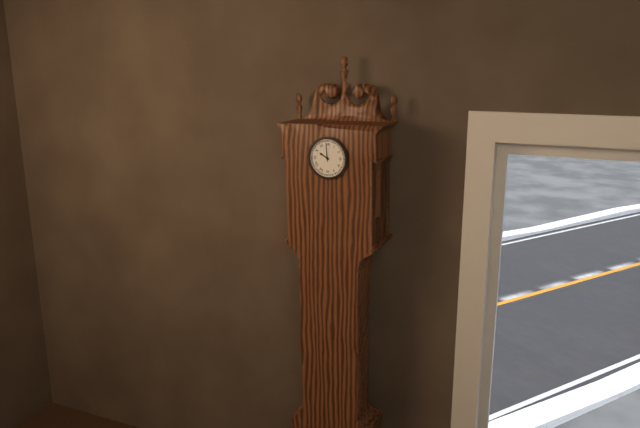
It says 9.59
